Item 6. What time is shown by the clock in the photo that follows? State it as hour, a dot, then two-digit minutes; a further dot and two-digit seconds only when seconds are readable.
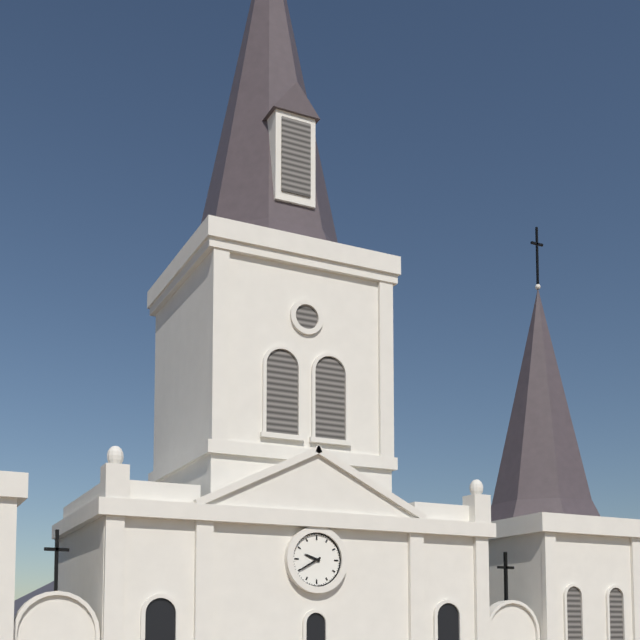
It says 9.40
